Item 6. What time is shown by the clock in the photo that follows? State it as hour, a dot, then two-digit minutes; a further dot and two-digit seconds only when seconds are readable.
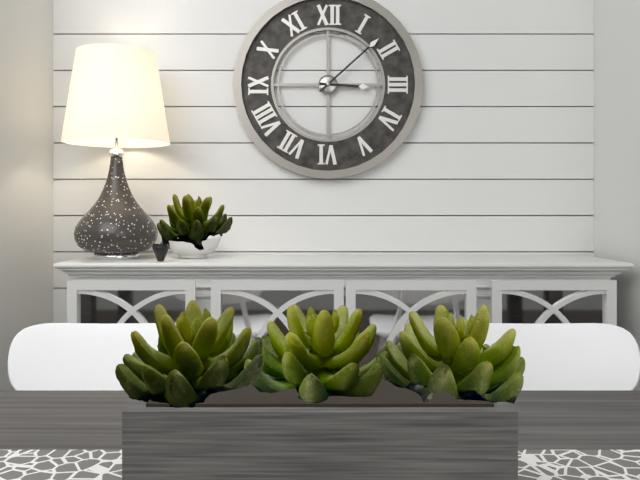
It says 3.08
